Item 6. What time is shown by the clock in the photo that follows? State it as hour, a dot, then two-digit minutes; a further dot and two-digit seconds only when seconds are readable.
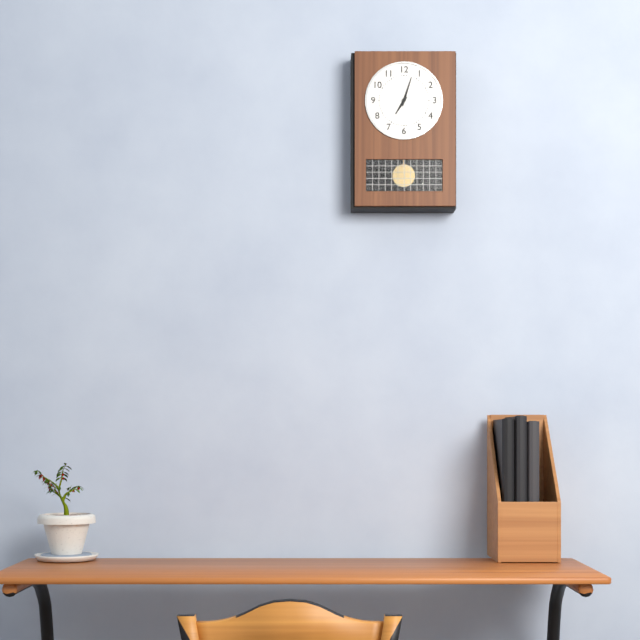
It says 7.03
